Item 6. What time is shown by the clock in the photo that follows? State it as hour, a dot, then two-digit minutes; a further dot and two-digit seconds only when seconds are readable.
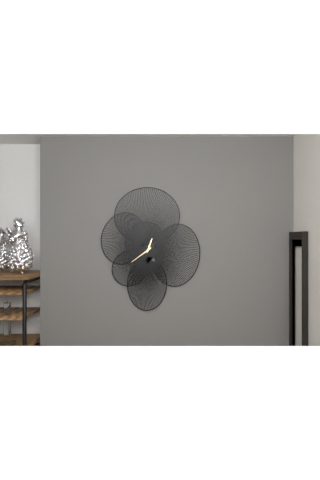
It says 12.39
